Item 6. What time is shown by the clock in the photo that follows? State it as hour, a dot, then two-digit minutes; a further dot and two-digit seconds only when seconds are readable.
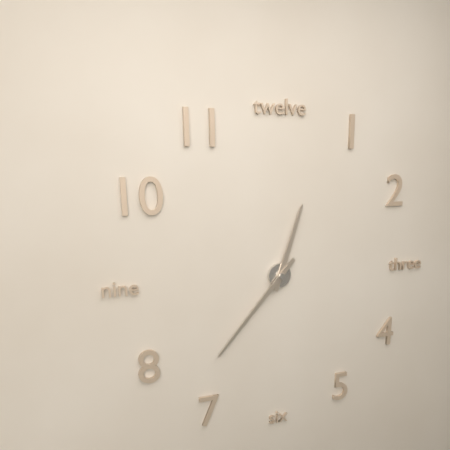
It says 12.37
